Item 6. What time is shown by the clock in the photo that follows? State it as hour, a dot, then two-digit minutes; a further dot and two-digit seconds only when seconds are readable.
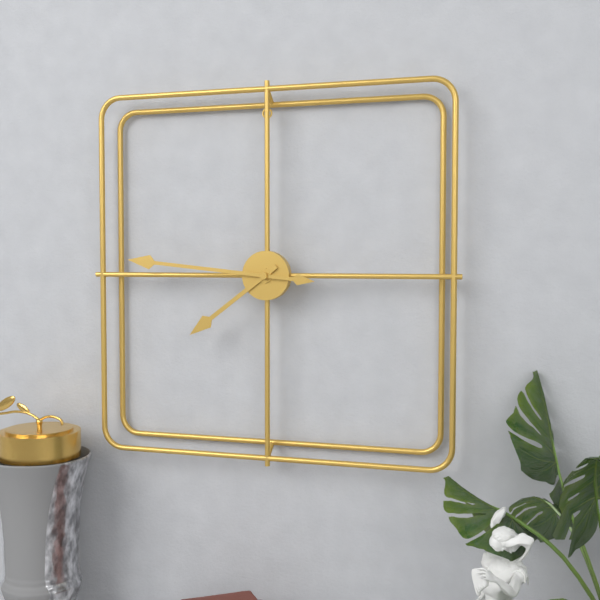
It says 7.46
